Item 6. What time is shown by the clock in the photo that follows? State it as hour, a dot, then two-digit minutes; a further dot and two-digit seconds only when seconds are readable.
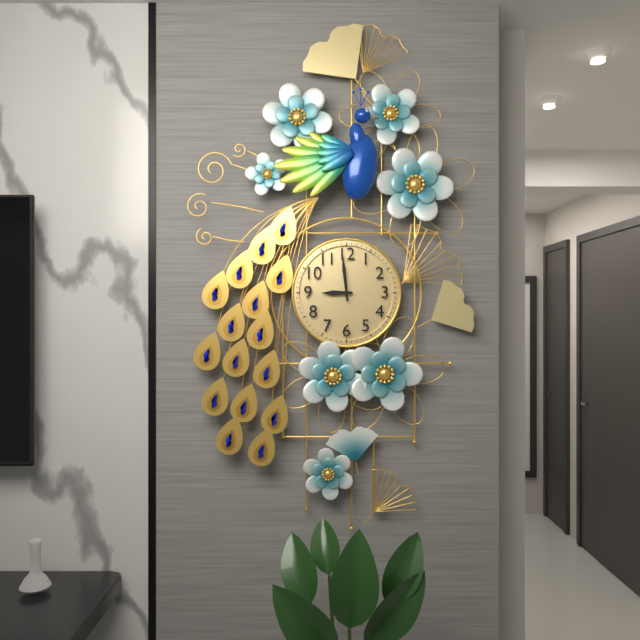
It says 8.59
